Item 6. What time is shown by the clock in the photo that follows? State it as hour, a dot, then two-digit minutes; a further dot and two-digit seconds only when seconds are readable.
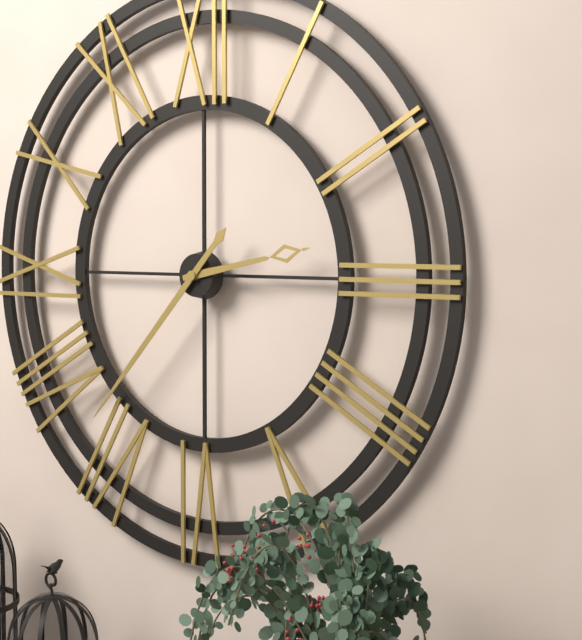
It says 2.37
